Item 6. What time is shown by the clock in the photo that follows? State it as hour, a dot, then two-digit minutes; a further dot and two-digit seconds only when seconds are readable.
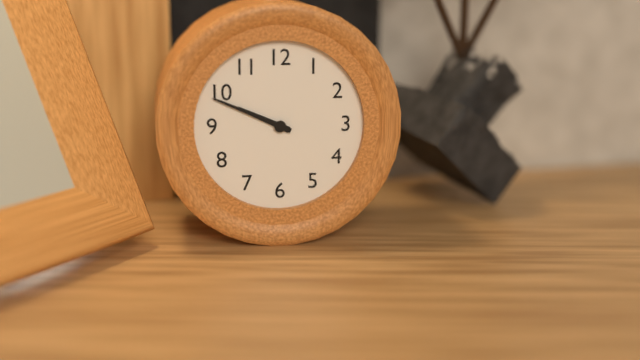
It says 9.49
